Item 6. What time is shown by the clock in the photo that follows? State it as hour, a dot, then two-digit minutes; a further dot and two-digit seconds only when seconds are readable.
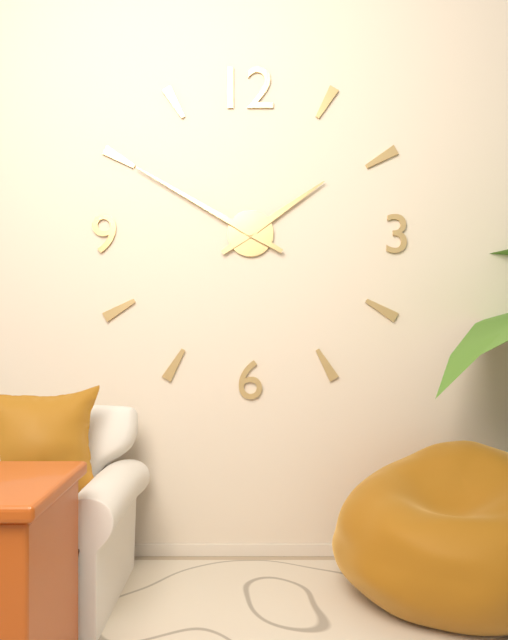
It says 1.50
